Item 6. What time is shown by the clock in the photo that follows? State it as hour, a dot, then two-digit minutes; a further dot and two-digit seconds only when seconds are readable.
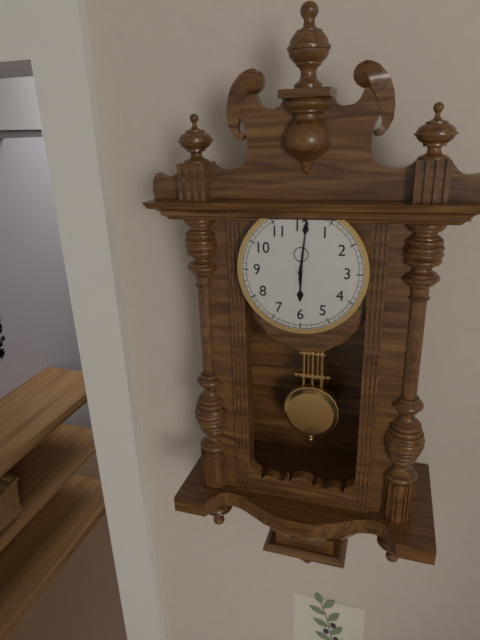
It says 6.01
